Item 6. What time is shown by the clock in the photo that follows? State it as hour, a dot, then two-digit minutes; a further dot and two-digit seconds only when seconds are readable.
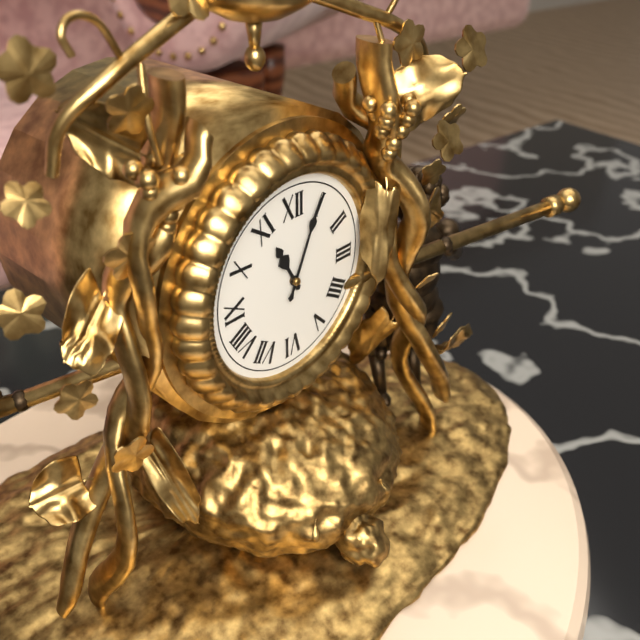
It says 11.04
